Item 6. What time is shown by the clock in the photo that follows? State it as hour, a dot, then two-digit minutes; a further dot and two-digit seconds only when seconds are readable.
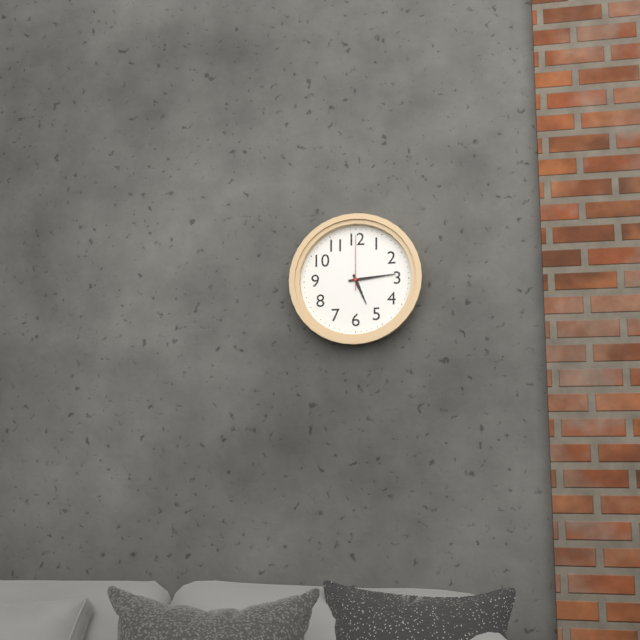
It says 5.14.00
